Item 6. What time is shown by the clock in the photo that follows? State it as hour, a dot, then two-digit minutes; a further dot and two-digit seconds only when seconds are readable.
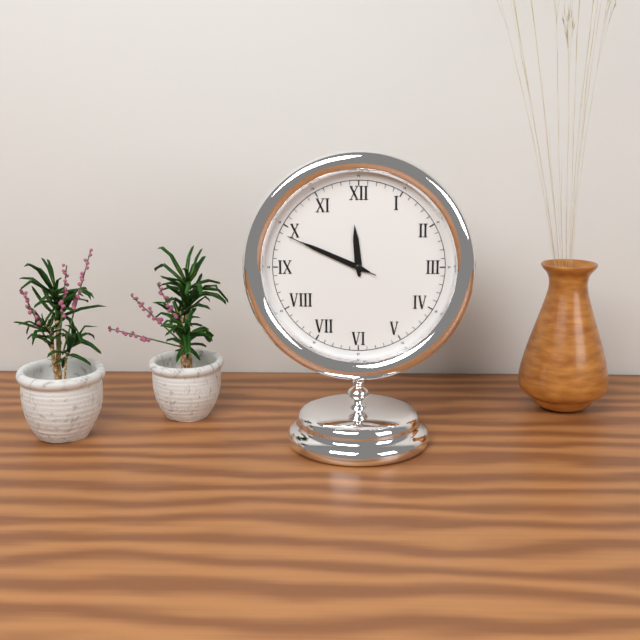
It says 11.49.49
